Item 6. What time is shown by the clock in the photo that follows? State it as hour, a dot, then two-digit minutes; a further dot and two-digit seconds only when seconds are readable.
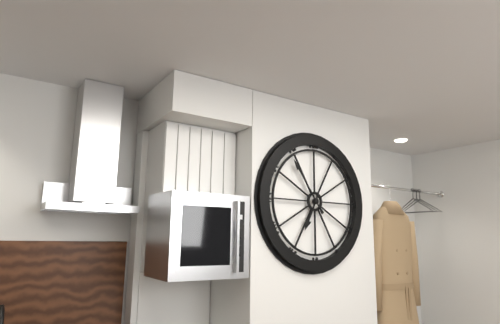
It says 6.54
